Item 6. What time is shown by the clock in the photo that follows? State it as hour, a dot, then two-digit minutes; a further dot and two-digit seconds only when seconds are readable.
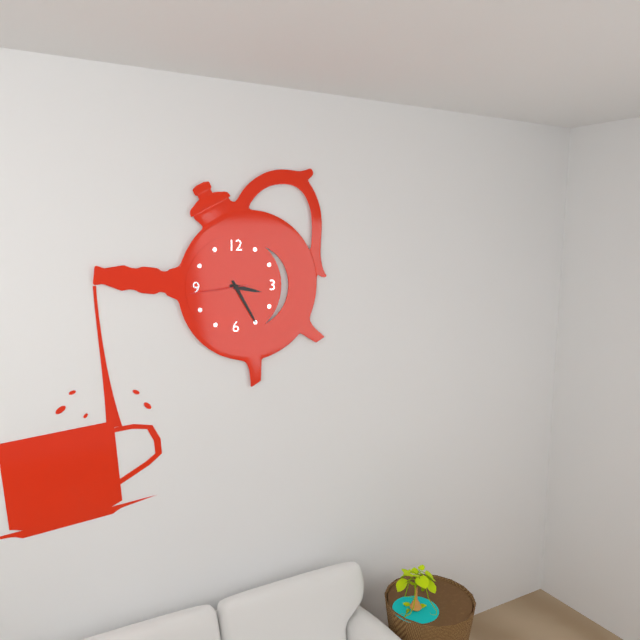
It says 3.25.44
